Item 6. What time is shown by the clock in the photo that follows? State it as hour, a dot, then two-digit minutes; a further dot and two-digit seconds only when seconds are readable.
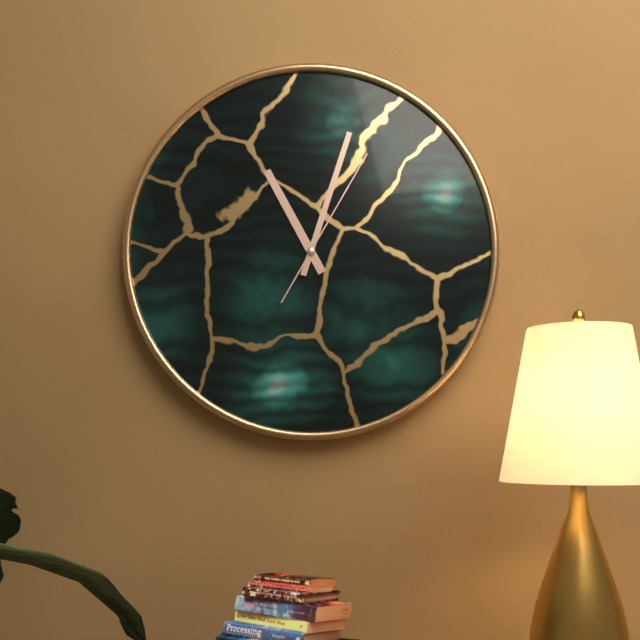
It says 11.03.05
